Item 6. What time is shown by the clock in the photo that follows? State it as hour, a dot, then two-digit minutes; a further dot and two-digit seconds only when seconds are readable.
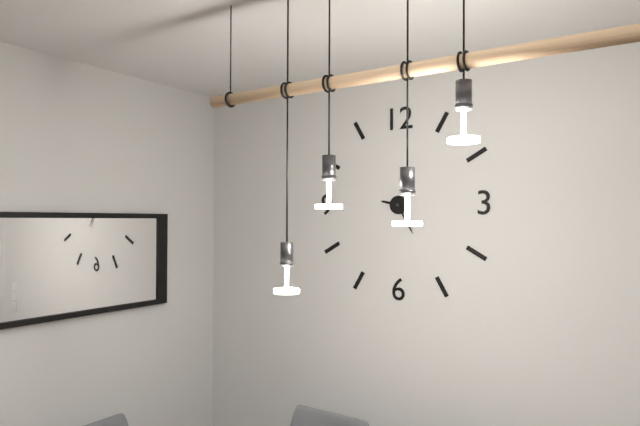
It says 9.25
